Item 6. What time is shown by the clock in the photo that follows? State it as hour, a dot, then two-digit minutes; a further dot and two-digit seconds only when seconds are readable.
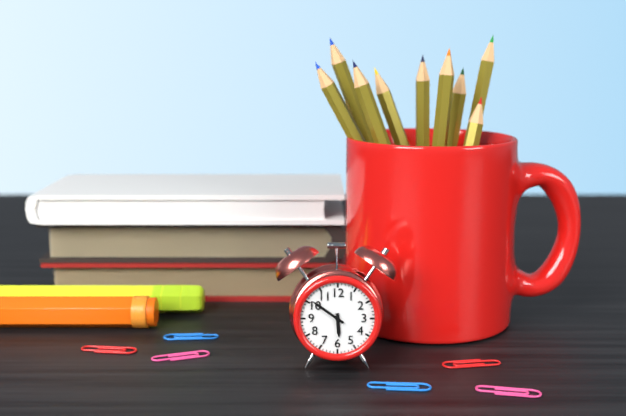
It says 5.51
